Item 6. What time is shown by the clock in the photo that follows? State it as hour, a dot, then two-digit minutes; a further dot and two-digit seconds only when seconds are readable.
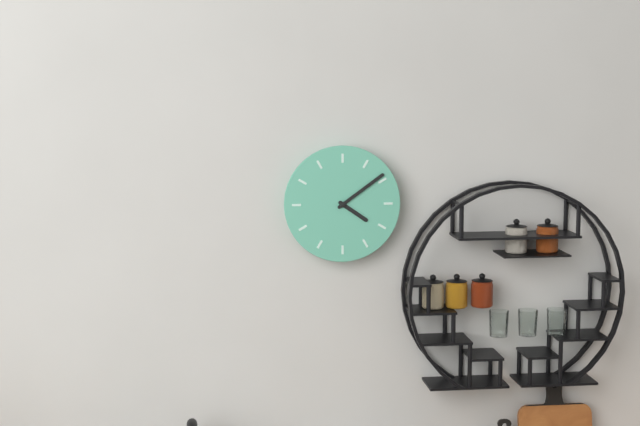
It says 4.09
